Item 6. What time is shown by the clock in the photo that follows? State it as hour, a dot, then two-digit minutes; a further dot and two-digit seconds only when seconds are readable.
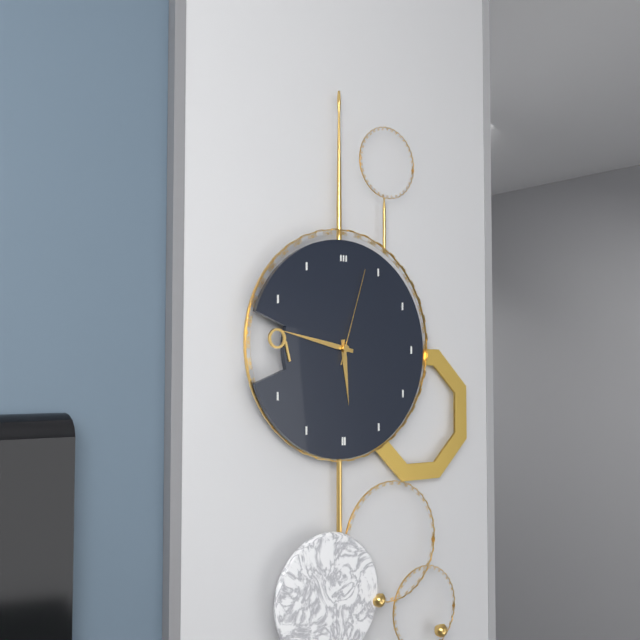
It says 5.47.03
